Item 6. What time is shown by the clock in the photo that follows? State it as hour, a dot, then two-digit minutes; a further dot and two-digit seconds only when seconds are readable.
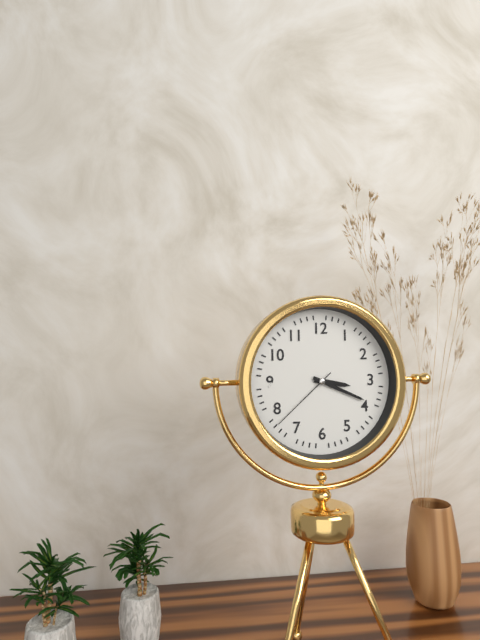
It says 3.19.38
